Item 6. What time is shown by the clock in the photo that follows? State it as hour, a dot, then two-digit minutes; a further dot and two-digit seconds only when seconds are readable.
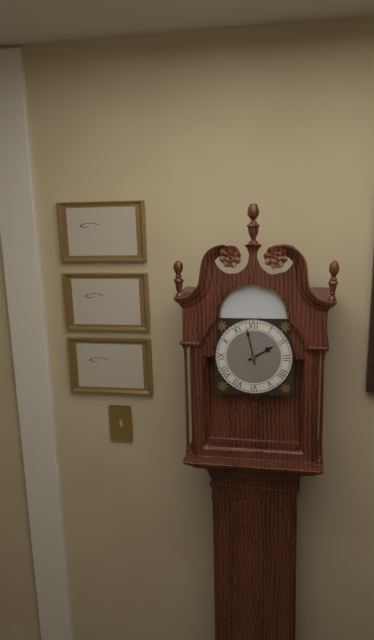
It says 1.58
